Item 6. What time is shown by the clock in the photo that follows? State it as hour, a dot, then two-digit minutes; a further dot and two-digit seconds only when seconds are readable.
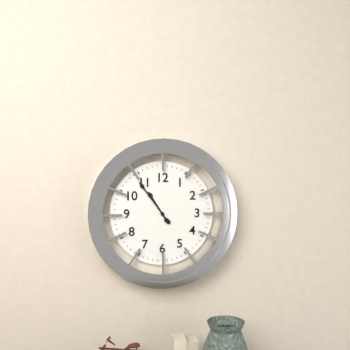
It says 10.54
